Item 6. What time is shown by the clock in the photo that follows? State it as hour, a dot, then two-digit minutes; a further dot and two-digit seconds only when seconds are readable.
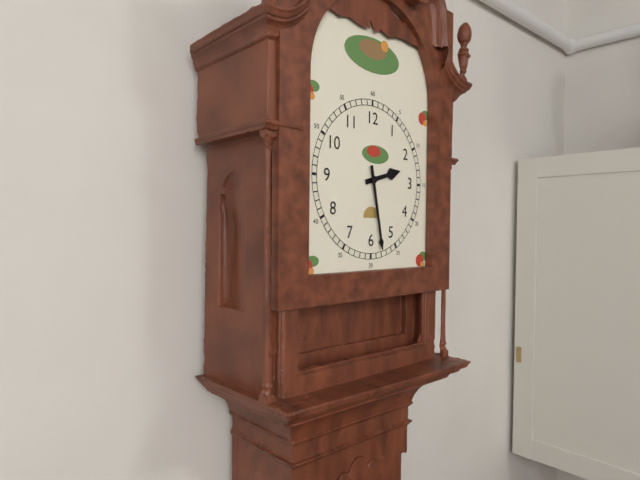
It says 2.28
